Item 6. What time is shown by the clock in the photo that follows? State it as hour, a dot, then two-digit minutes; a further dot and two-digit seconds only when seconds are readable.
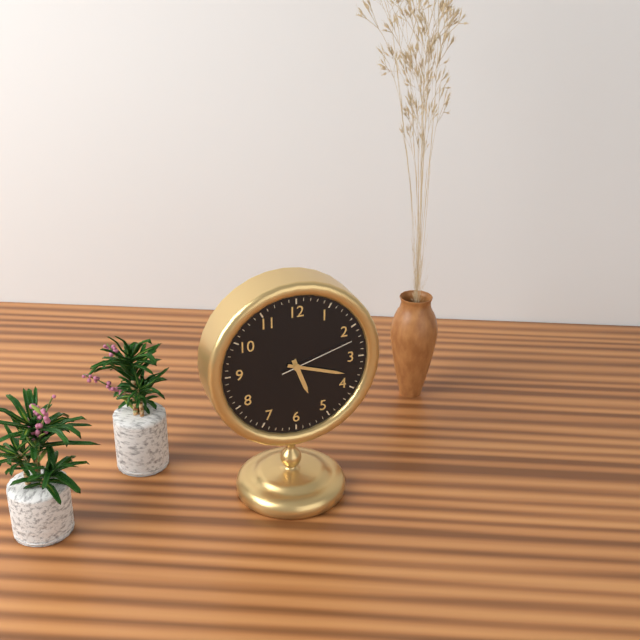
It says 5.18.12
